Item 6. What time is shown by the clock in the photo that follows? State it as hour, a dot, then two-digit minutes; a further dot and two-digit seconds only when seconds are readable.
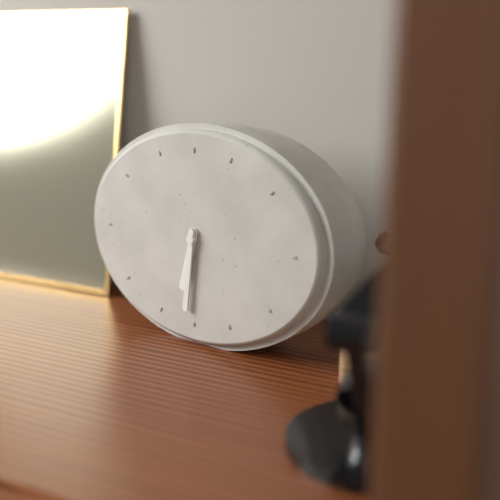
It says 6.31
